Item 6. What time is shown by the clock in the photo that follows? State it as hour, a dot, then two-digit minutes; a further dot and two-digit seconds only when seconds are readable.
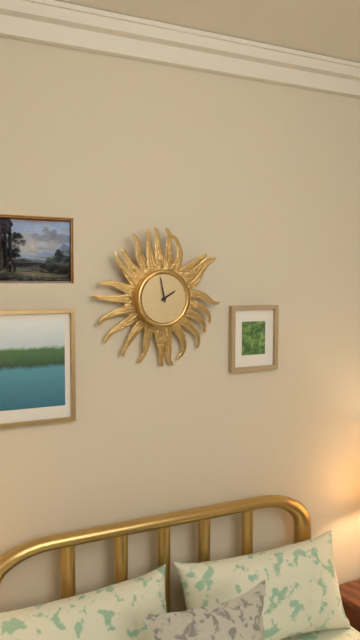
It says 1.58
